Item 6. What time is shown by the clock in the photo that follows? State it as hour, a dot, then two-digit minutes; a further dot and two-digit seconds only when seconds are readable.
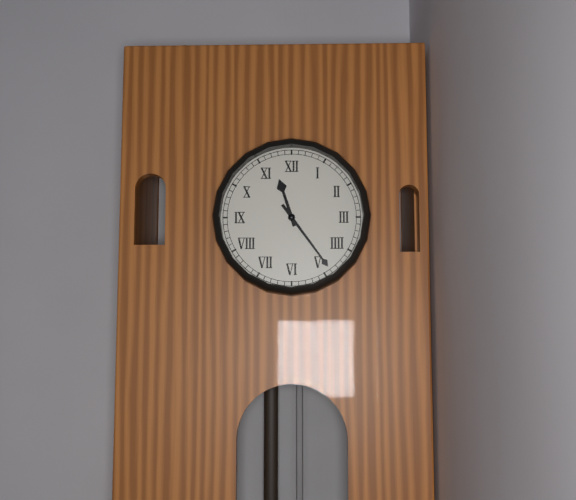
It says 11.24
